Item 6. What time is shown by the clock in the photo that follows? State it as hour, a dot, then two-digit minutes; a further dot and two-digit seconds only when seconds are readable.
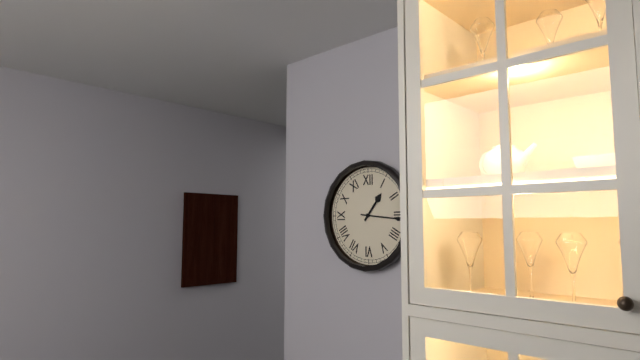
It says 1.16
